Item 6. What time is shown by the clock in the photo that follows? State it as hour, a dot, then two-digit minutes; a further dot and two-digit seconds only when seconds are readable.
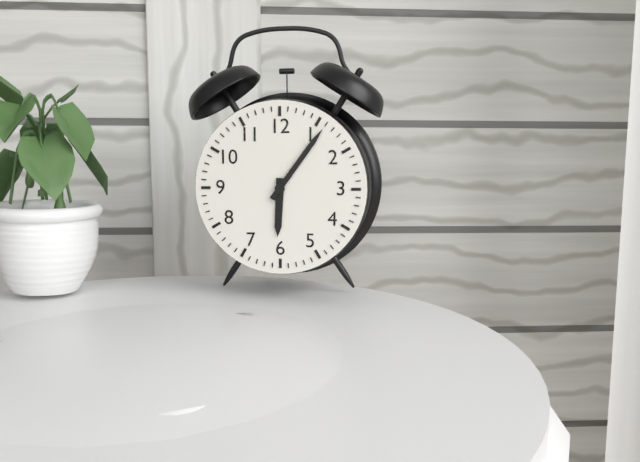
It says 6.06
